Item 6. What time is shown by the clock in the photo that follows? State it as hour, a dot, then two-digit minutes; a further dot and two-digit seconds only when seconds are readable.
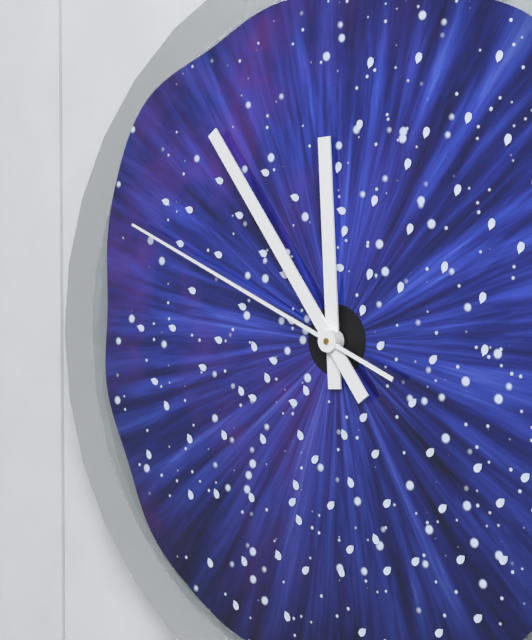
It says 11.54.49
